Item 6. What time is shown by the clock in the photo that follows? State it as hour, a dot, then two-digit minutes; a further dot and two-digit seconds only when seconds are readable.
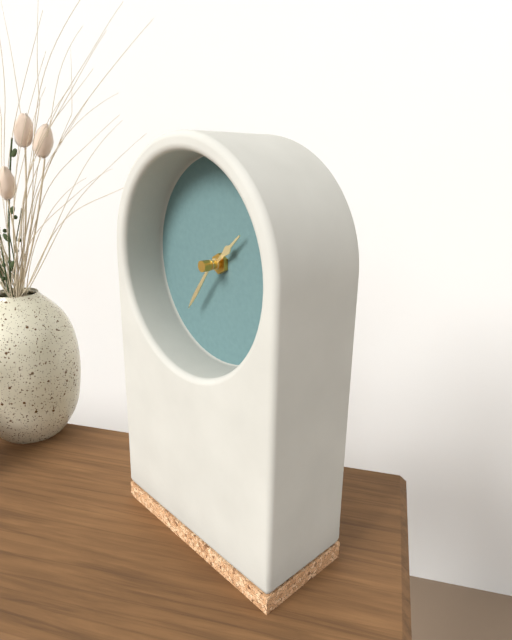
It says 1.36
